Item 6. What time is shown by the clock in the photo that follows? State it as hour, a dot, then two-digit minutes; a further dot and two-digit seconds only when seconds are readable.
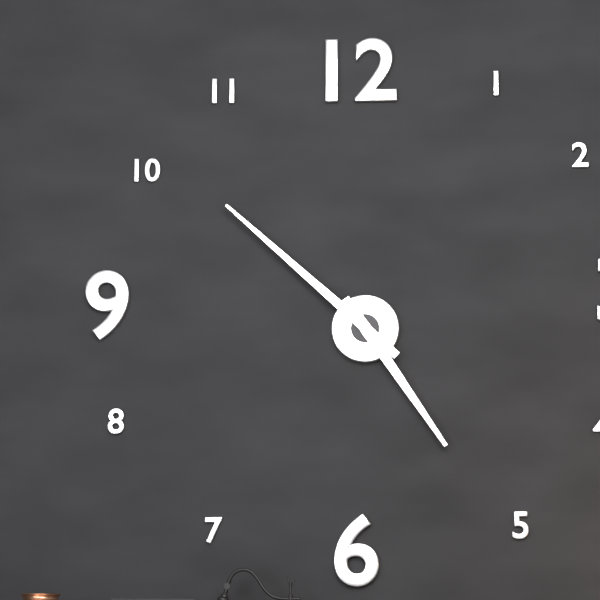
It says 4.52
